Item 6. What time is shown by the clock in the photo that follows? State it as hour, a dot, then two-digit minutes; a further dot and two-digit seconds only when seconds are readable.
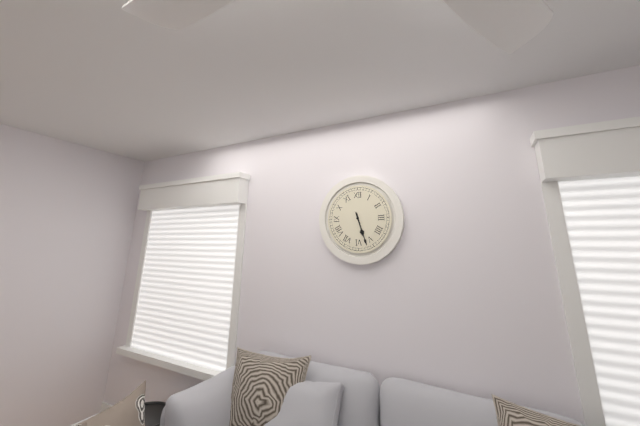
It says 5.27
